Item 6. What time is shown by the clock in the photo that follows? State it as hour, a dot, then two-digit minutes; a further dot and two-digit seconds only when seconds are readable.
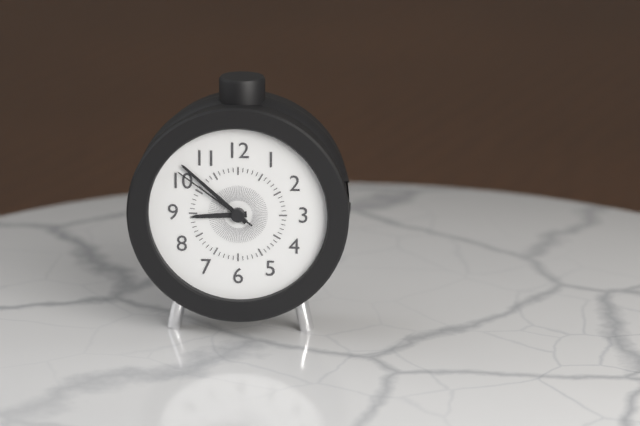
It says 8.52.51
